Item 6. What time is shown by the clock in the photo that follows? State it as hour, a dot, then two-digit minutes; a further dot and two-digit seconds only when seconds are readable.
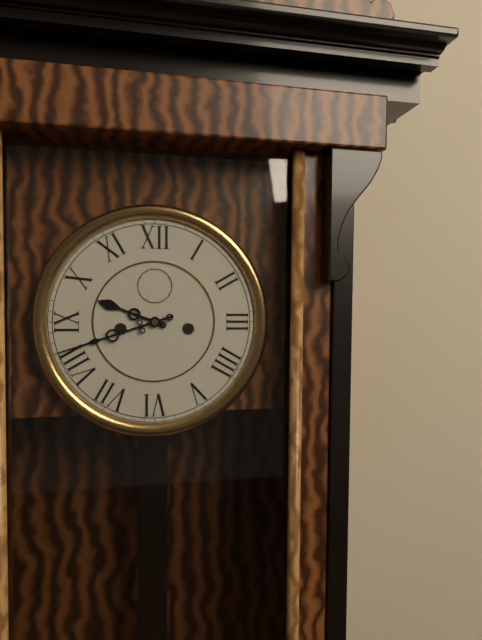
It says 9.42
